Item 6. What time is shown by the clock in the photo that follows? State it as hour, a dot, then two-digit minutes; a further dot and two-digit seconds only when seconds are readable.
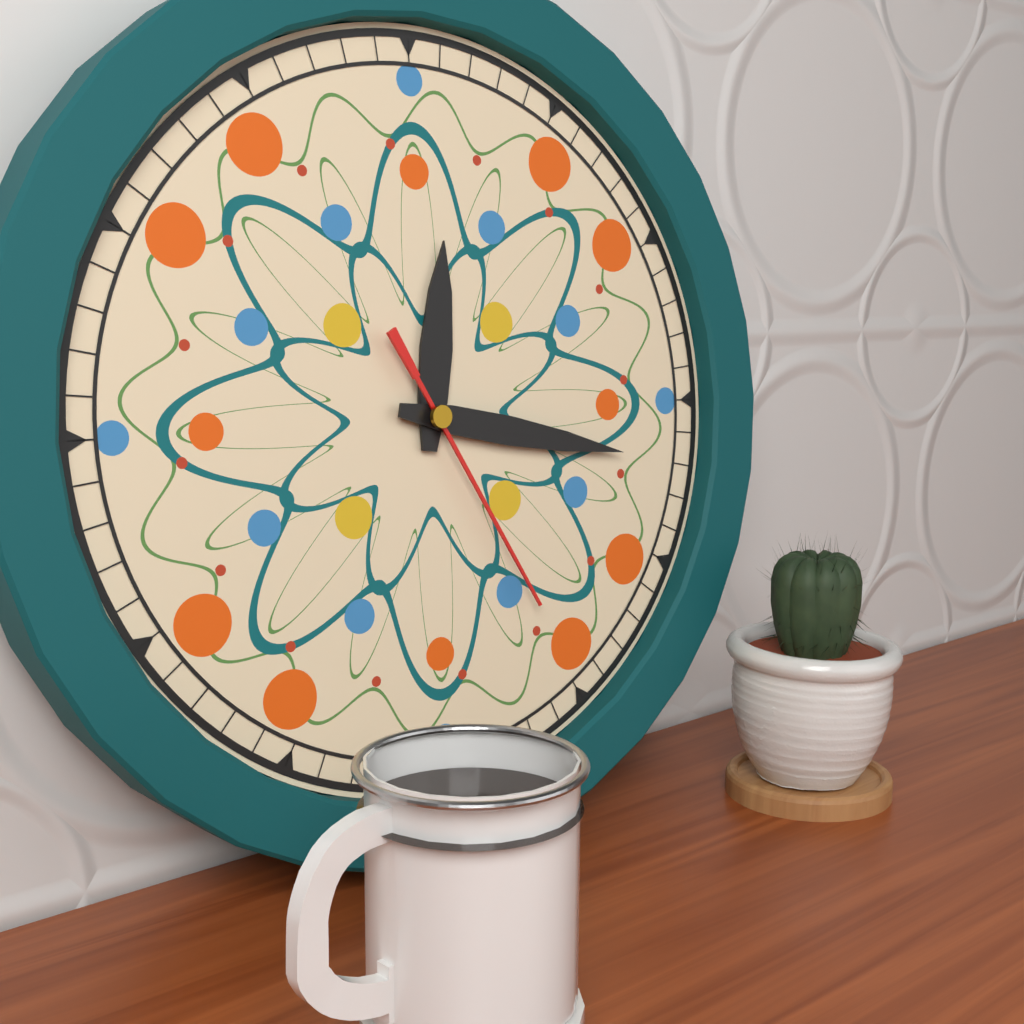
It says 12.17.25
